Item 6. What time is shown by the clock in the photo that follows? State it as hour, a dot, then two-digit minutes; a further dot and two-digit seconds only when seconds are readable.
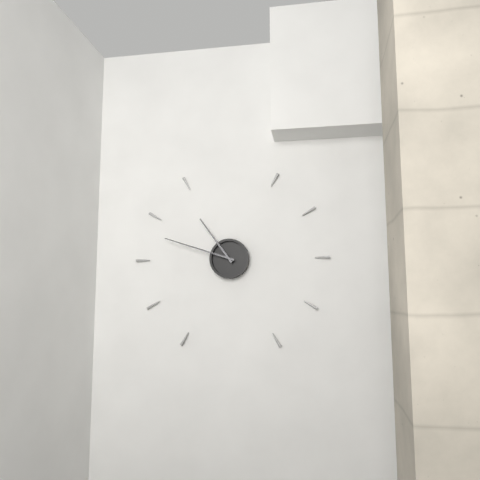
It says 10.48
